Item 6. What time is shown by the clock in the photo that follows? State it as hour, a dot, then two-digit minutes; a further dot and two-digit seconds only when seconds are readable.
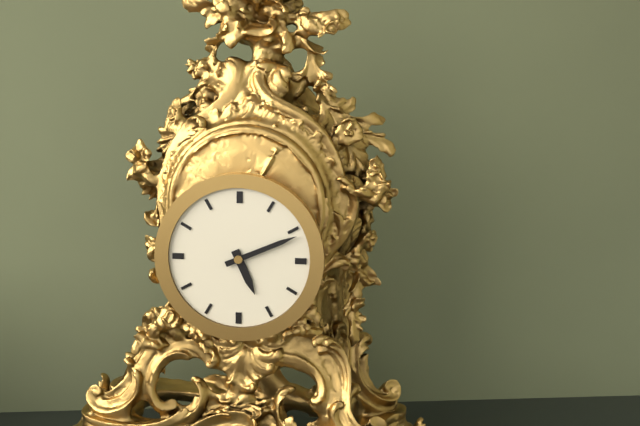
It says 5.11
